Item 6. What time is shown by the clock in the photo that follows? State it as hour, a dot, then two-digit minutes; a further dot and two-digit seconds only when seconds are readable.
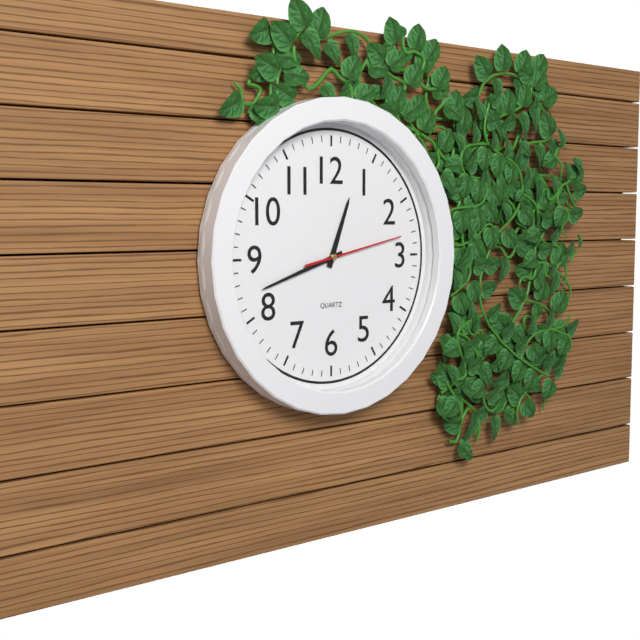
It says 12.42.13
